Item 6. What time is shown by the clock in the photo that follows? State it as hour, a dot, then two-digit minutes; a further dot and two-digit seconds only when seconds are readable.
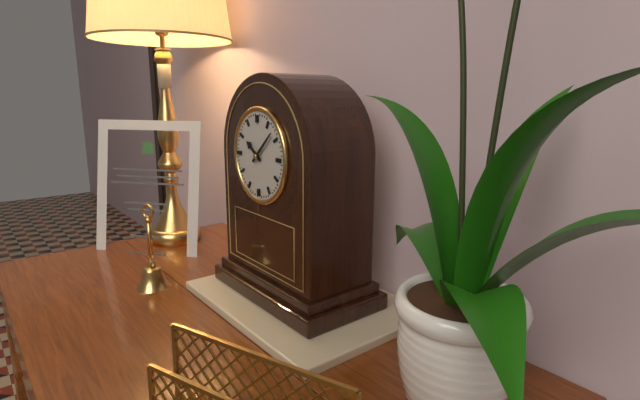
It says 10.08
